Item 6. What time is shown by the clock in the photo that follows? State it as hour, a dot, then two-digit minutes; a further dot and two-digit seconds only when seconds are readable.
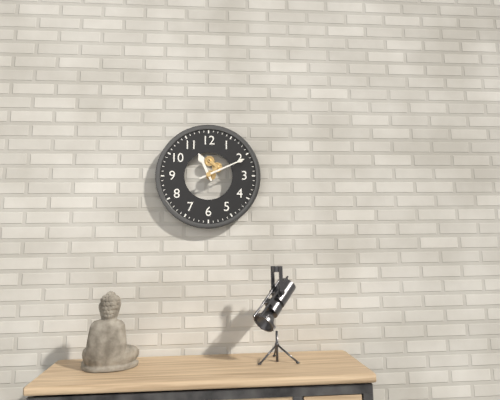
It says 11.11
